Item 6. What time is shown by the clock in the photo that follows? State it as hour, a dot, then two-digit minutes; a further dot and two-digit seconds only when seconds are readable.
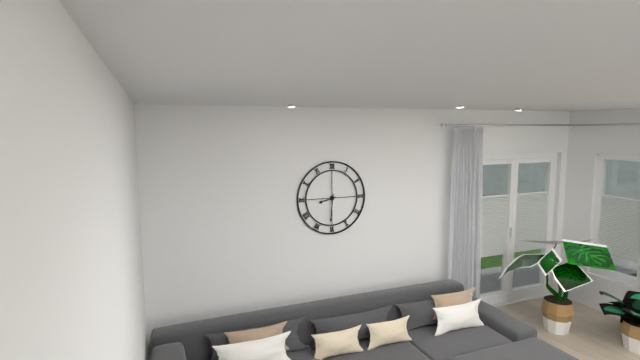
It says 8.31
